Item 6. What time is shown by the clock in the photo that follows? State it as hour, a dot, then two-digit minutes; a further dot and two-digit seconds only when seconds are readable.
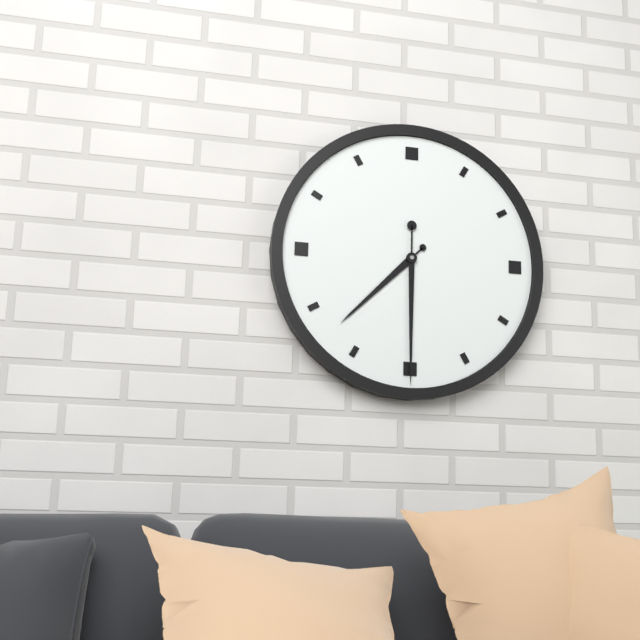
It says 7.30
